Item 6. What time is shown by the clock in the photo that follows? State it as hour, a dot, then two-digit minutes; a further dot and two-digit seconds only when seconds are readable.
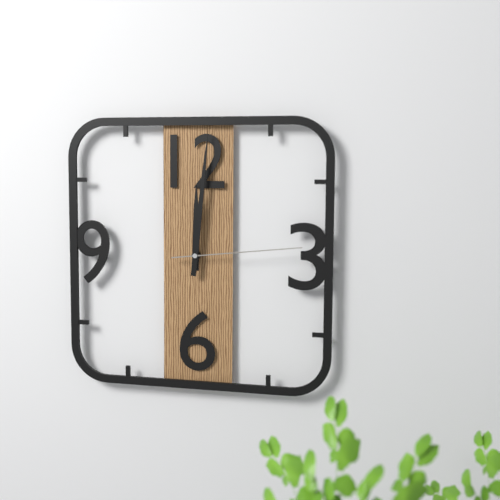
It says 12.01.14
